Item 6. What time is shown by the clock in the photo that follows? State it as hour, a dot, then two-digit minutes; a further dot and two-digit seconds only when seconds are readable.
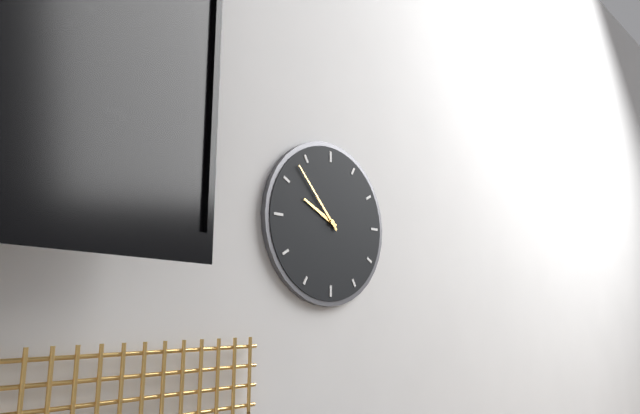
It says 9.53
